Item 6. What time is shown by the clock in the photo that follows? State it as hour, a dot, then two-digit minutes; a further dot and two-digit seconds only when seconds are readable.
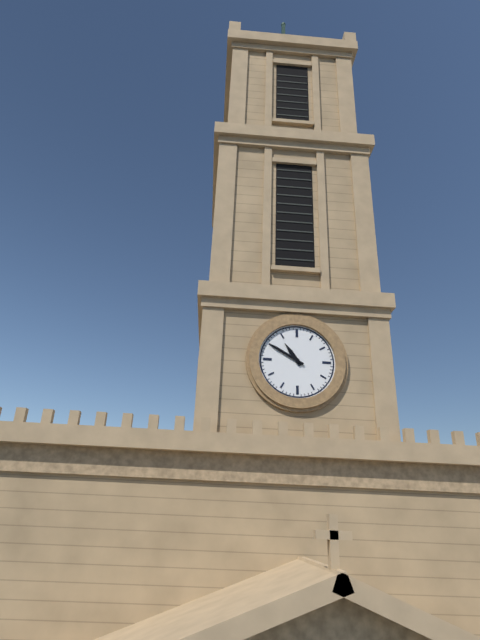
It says 10.50
